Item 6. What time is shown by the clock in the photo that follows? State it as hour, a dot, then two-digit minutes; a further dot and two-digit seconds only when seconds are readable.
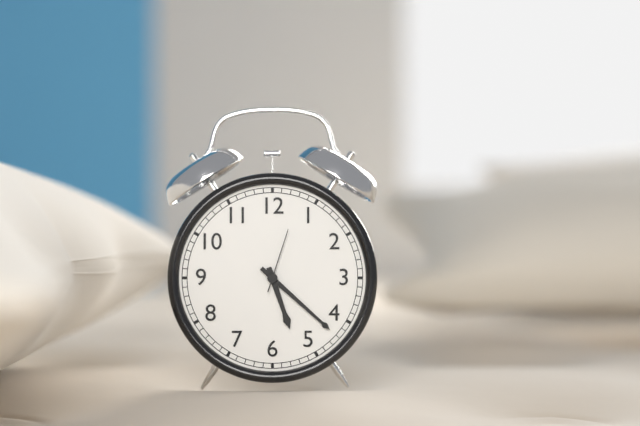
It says 5.22.03
